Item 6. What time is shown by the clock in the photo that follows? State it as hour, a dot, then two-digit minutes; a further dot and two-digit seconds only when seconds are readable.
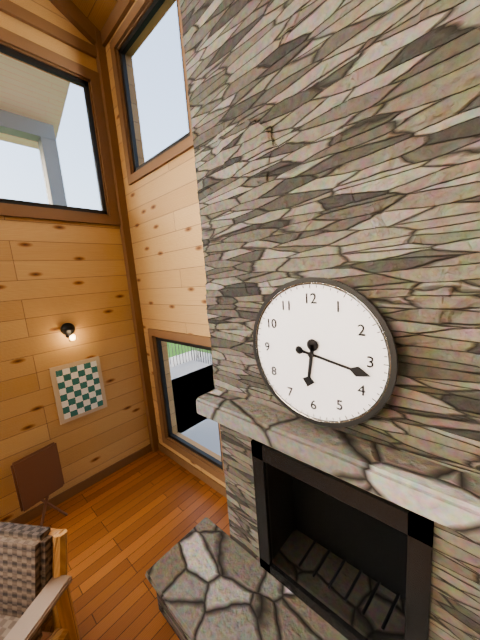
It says 6.17
